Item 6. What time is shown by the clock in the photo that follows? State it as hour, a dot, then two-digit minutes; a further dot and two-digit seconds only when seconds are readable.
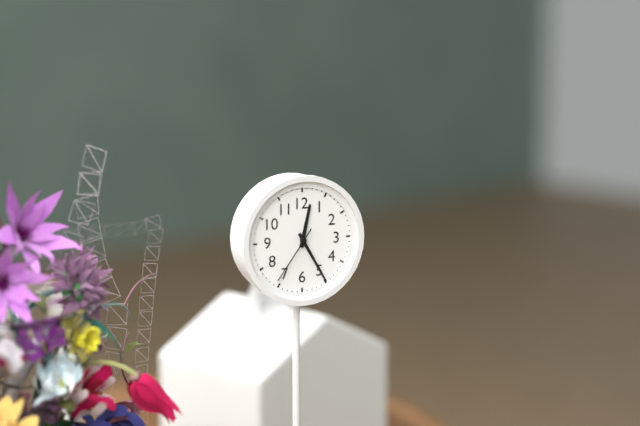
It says 12.25.36
